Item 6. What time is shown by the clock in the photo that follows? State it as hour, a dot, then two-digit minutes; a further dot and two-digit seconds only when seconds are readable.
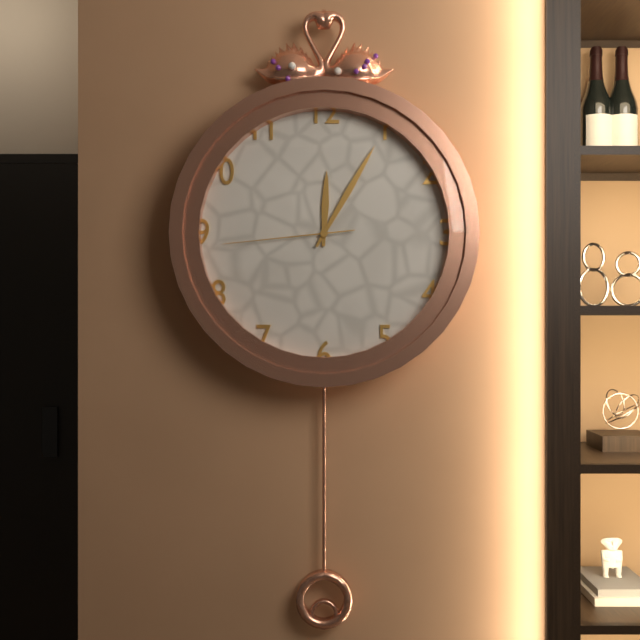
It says 12.05.44
